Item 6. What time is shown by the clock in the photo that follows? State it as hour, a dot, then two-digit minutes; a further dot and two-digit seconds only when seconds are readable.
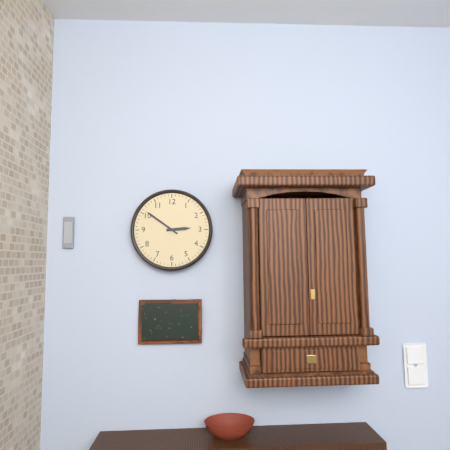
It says 2.51
